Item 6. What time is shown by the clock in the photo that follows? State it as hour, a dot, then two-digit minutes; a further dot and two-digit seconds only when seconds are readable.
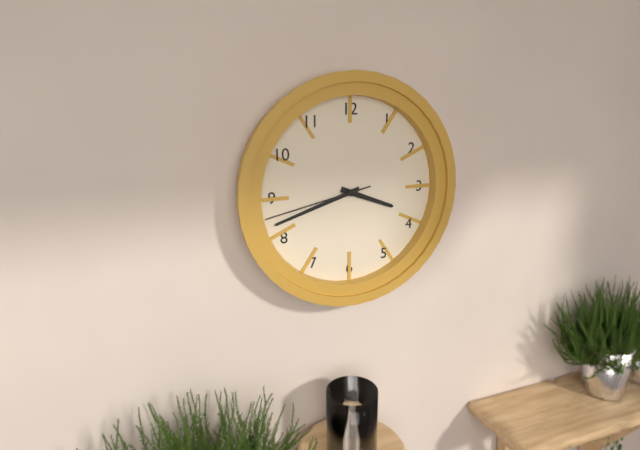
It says 3.42.43
